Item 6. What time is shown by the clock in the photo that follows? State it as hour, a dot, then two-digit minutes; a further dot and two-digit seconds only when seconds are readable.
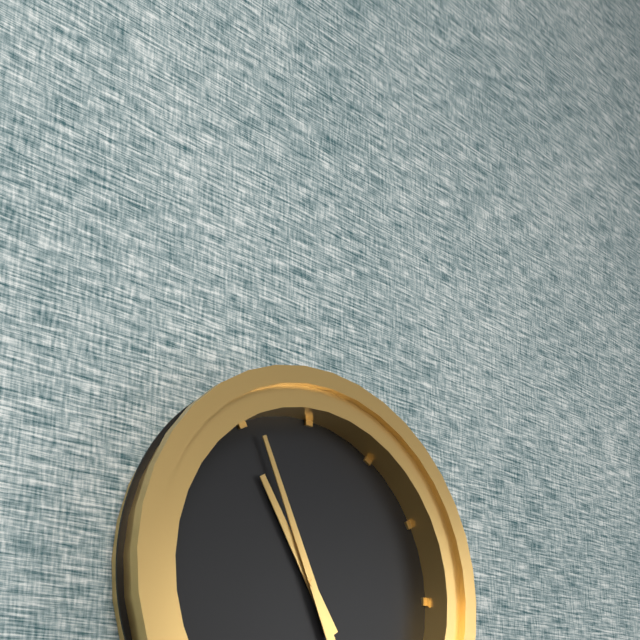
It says 10.56
